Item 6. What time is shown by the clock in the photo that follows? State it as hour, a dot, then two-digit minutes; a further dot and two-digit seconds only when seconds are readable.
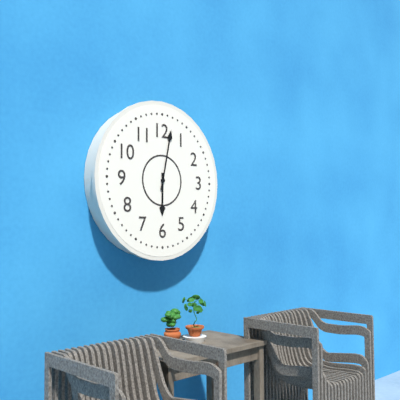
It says 6.02
